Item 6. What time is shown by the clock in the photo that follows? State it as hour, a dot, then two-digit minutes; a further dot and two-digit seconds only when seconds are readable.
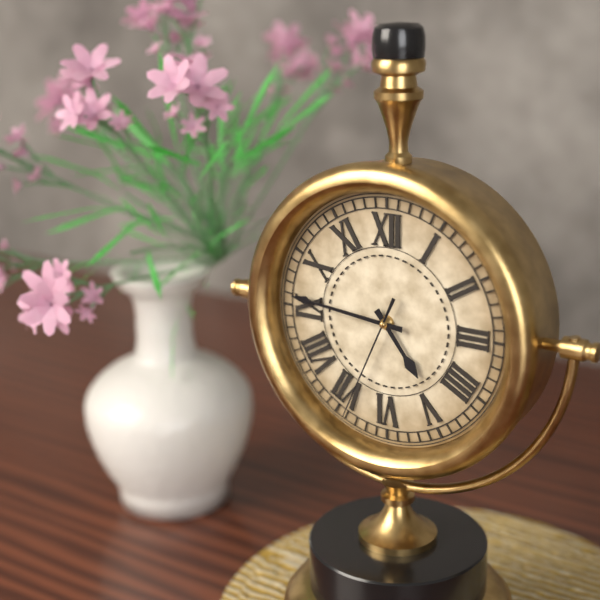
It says 4.46.34
